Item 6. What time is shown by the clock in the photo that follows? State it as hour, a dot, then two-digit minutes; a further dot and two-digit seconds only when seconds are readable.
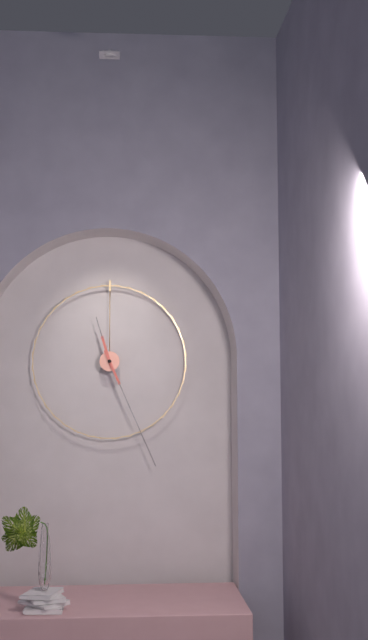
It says 11.26
